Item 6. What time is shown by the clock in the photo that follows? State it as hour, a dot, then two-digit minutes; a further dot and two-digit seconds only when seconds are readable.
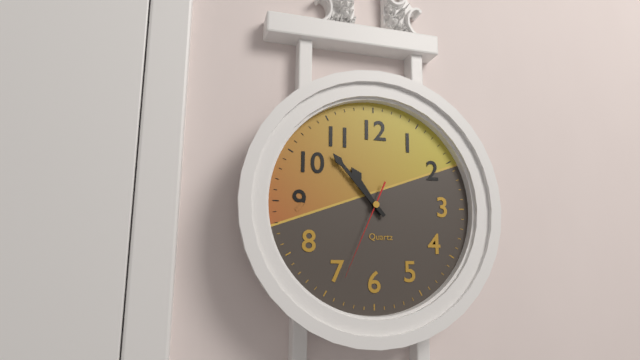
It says 10.53.34
